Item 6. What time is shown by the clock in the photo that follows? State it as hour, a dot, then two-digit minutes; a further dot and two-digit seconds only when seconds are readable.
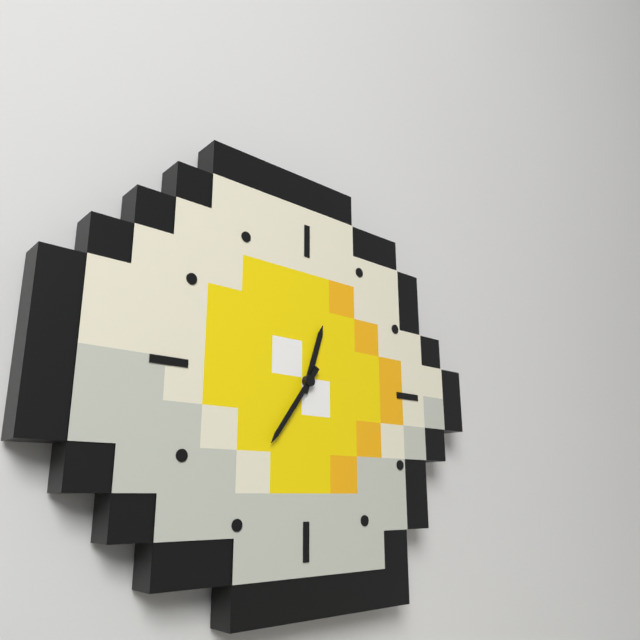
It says 12.36
